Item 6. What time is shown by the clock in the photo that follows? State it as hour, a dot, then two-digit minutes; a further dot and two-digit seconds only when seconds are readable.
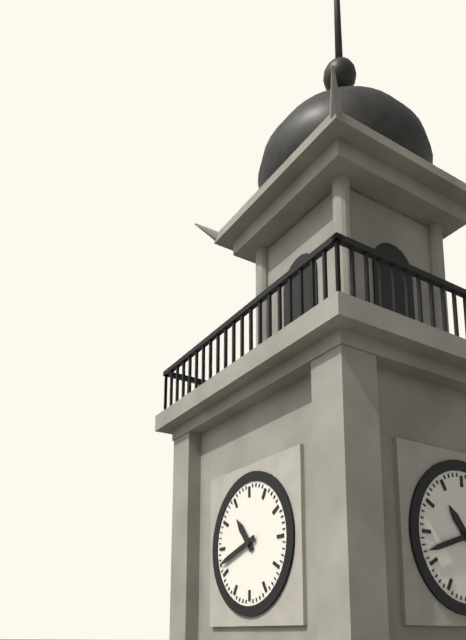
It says 10.42
